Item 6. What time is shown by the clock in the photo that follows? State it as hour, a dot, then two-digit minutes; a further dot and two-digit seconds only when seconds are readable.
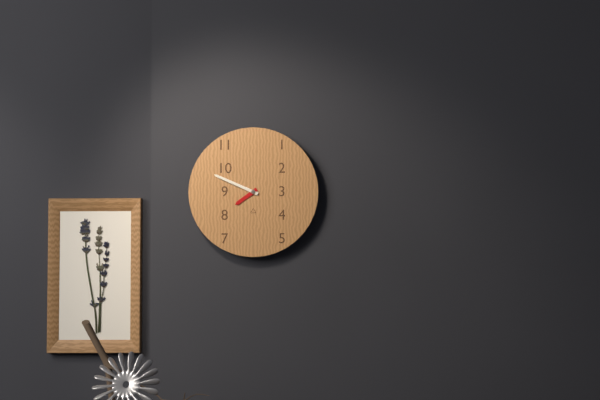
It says 7.49
